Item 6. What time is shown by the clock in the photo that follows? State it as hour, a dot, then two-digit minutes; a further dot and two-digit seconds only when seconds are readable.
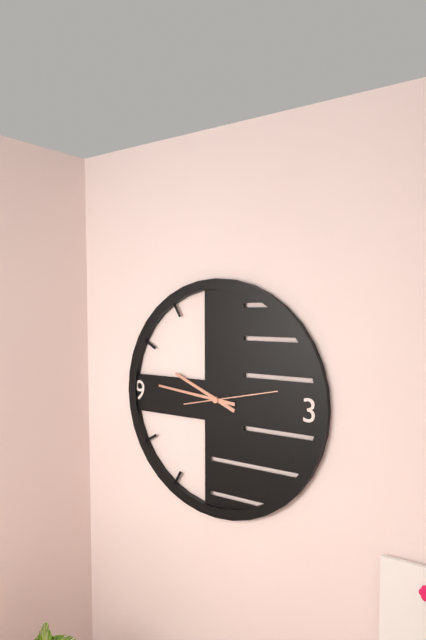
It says 9.46.13
